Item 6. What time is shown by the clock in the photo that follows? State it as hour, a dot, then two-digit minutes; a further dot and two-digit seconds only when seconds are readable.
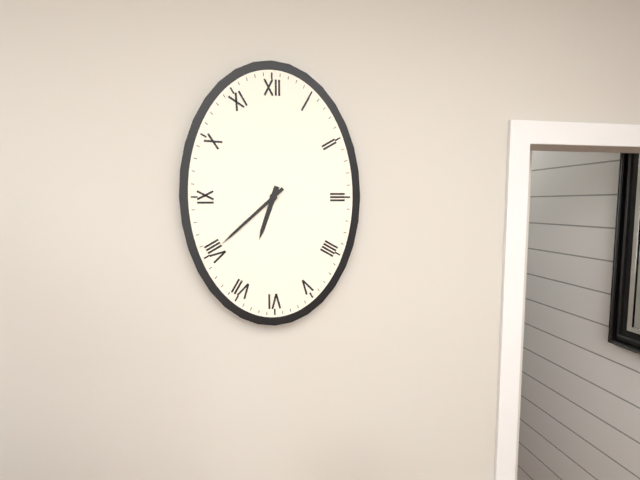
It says 6.38
